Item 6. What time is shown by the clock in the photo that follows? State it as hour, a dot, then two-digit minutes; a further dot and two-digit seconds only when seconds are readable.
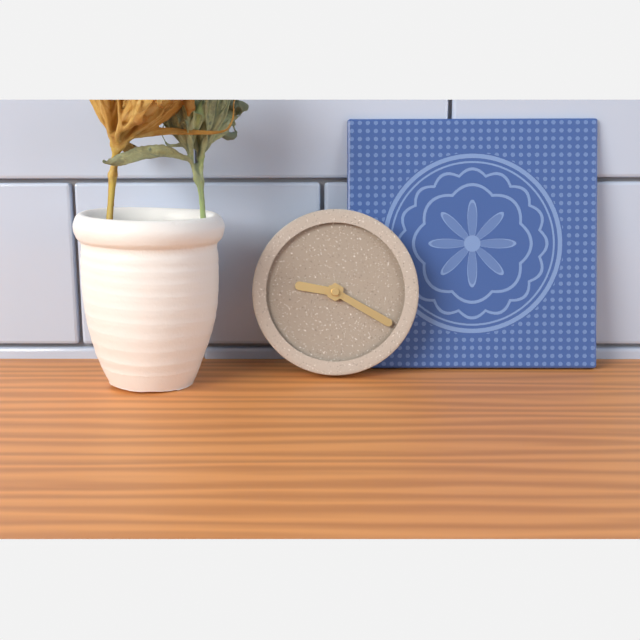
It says 9.20
